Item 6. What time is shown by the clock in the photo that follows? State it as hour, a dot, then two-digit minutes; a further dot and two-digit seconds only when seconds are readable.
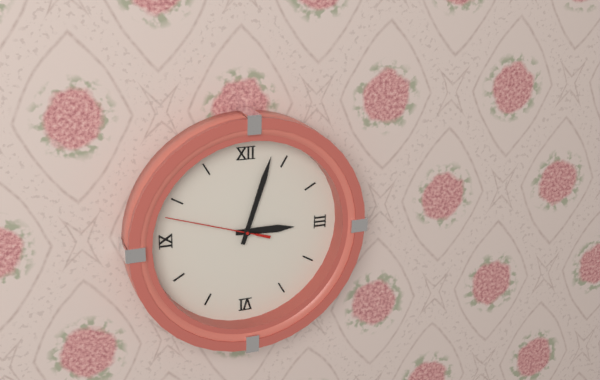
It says 3.03.48
